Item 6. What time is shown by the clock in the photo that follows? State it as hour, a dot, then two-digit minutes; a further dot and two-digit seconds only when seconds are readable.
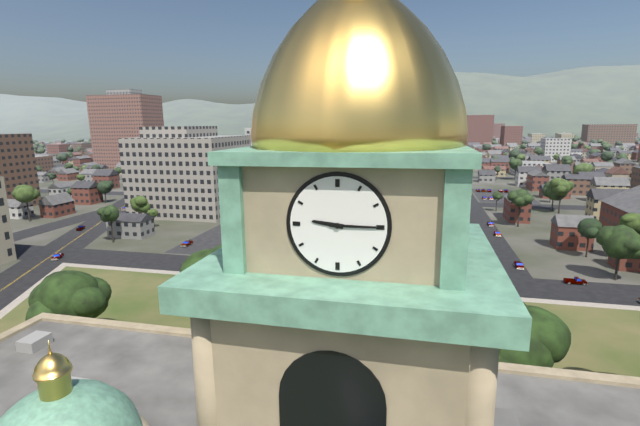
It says 9.15
